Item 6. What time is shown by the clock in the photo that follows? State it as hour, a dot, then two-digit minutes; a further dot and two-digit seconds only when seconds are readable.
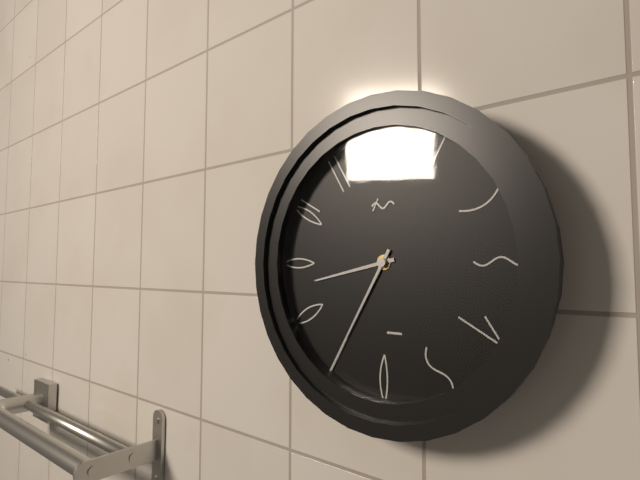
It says 8.35
